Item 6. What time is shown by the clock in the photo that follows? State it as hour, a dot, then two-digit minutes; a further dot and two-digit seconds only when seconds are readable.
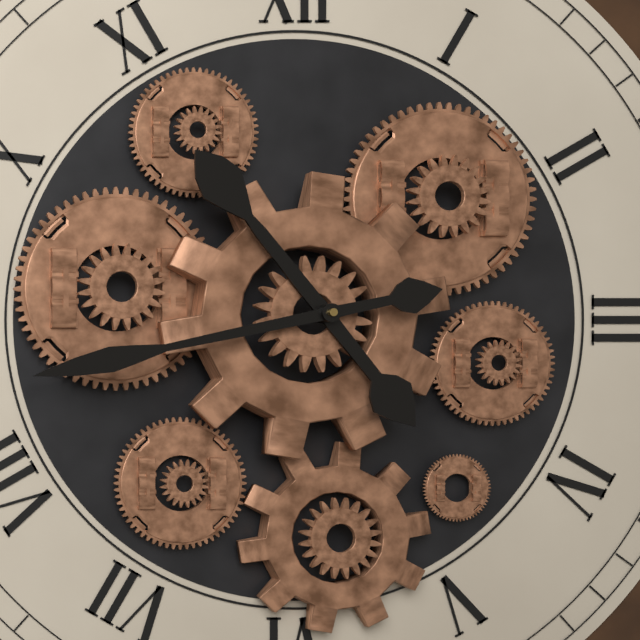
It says 10.43
